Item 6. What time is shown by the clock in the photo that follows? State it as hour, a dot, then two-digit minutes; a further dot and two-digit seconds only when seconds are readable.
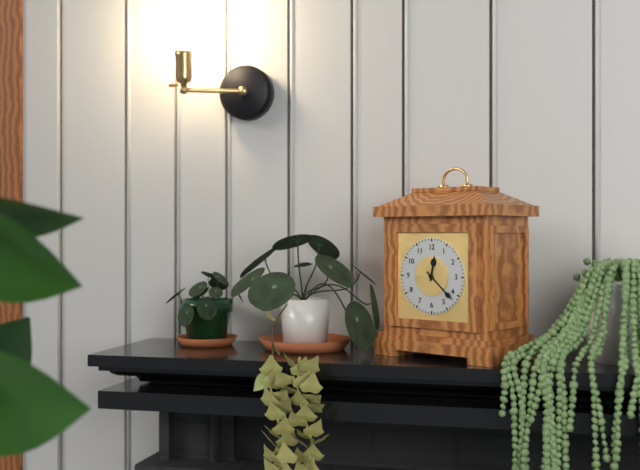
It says 12.22
